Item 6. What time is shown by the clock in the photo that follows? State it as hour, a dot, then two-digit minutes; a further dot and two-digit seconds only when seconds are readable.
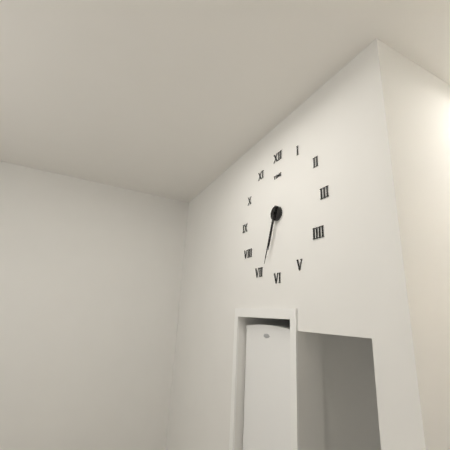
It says 6.33
